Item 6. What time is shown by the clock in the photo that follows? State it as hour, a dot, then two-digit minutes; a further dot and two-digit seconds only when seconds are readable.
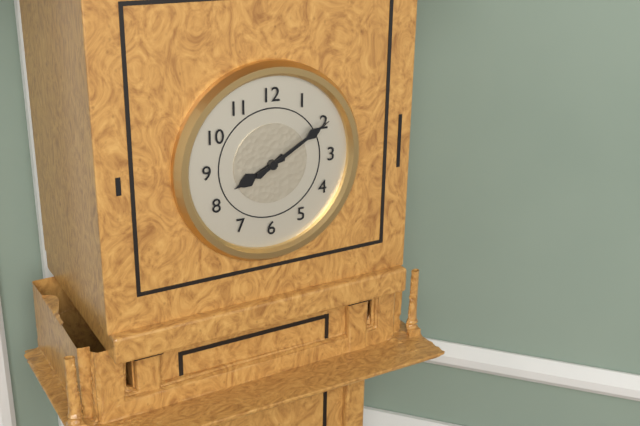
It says 8.10
